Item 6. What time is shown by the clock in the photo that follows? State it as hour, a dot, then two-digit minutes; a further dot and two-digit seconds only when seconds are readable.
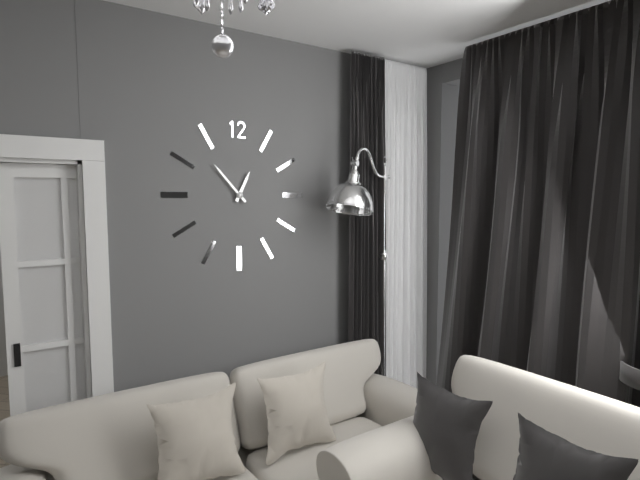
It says 12.53
